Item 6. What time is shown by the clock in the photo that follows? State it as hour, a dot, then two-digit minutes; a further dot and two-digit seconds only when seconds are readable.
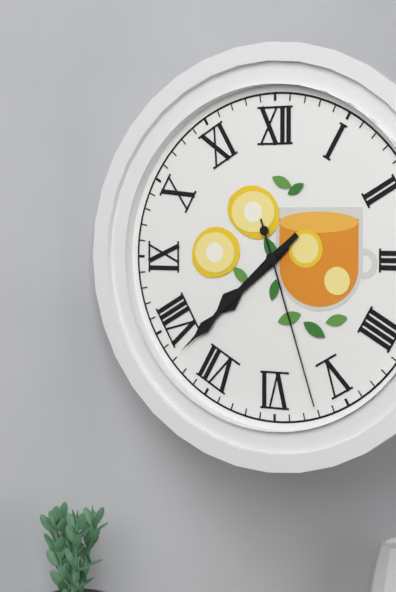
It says 7.38.27
